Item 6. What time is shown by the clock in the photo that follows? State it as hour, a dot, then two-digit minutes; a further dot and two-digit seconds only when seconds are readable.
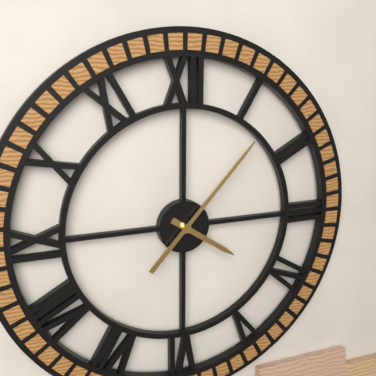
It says 4.07
